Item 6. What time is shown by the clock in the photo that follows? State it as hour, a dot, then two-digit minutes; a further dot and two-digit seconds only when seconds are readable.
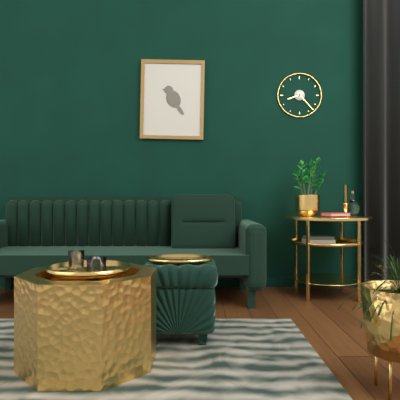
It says 8.23
